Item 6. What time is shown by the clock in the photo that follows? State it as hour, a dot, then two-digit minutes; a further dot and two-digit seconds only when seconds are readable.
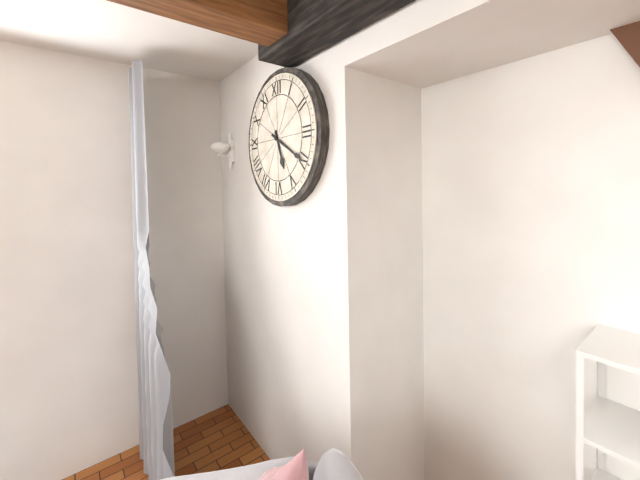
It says 5.20
